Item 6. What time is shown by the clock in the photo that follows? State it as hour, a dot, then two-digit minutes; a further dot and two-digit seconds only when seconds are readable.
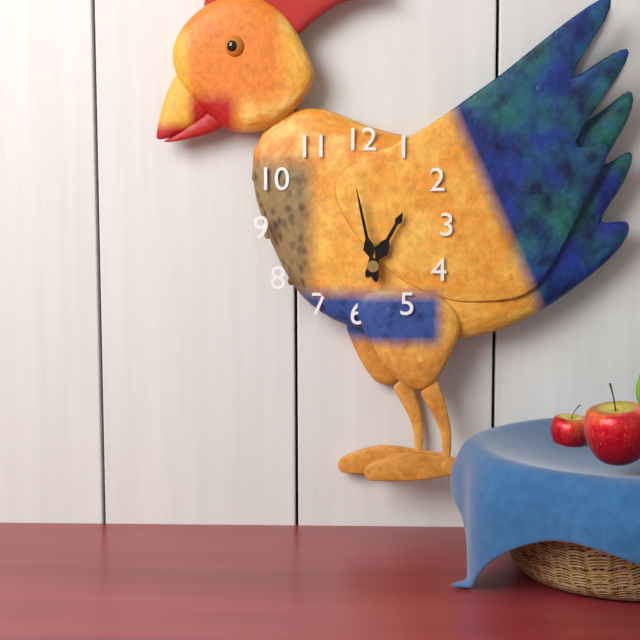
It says 12.58
